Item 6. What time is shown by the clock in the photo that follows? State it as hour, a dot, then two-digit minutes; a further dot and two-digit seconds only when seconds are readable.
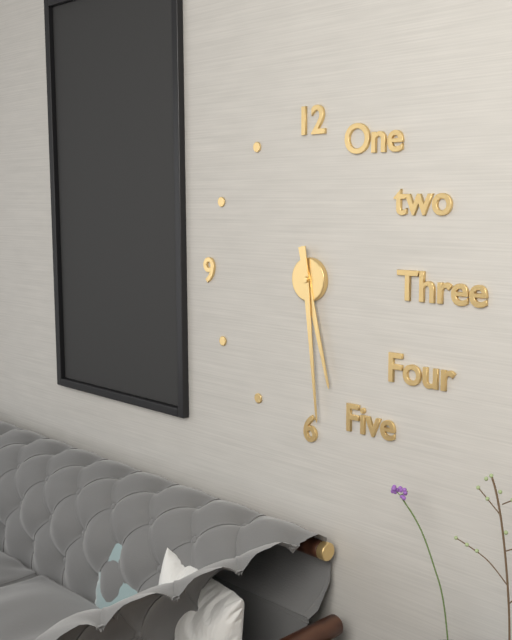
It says 5.29
